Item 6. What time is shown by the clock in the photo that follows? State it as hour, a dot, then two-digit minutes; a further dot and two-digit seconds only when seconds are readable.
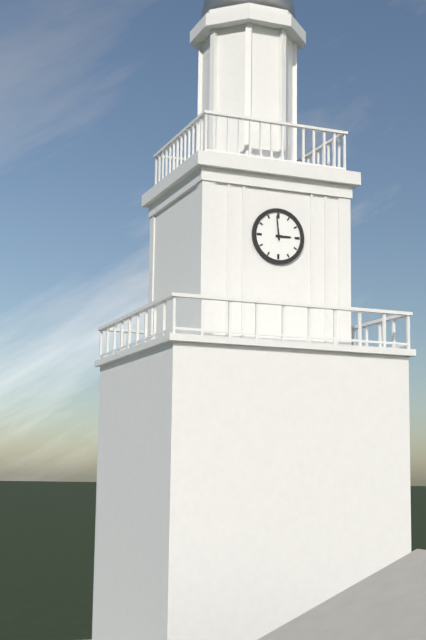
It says 2.59
